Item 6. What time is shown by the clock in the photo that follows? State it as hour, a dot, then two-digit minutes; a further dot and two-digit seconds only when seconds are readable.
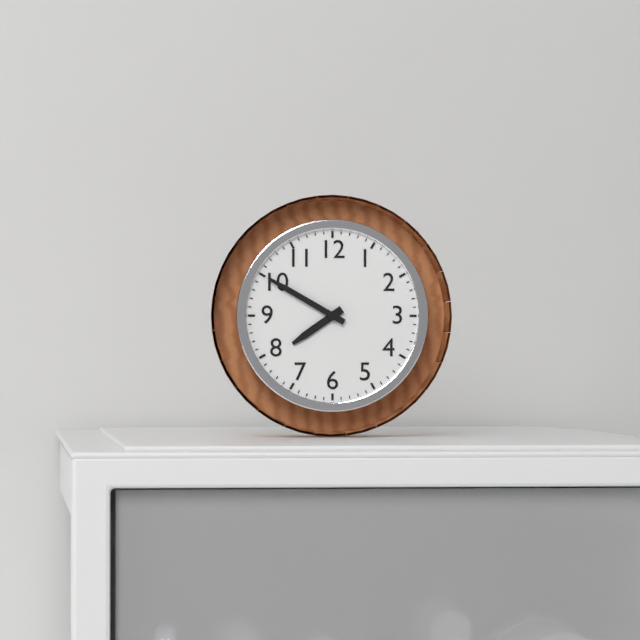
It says 7.50
